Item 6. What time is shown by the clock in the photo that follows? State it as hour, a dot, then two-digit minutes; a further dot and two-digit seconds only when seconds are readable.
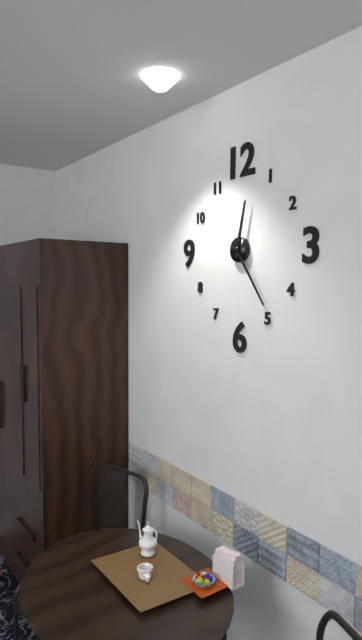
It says 12.24
